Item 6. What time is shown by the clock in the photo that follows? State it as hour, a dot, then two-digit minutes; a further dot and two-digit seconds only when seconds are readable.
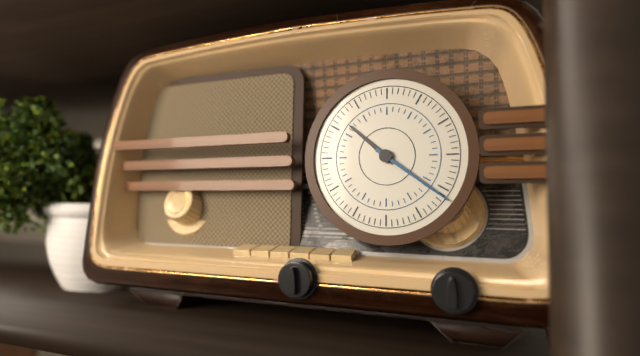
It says 10.21
